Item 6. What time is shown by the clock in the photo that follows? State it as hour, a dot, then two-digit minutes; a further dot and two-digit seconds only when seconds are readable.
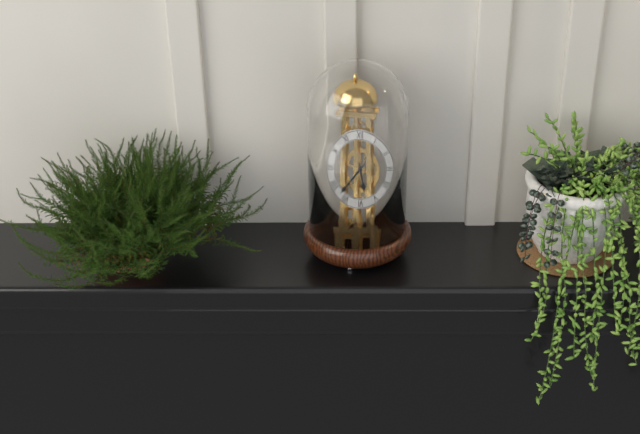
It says 5.37
